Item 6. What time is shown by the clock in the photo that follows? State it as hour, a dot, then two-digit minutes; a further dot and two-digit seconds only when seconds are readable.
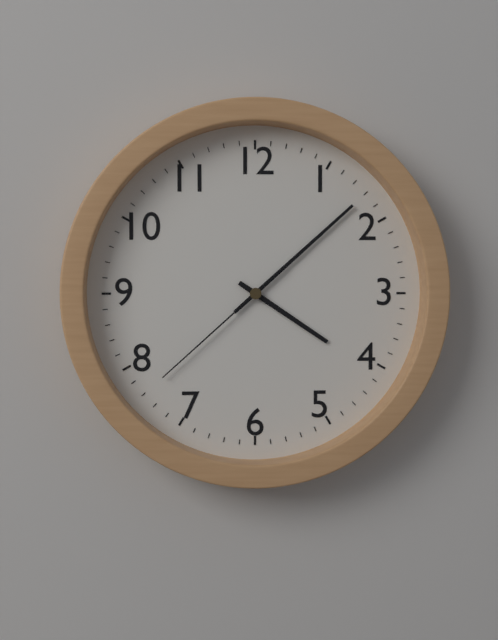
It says 4.08.38
